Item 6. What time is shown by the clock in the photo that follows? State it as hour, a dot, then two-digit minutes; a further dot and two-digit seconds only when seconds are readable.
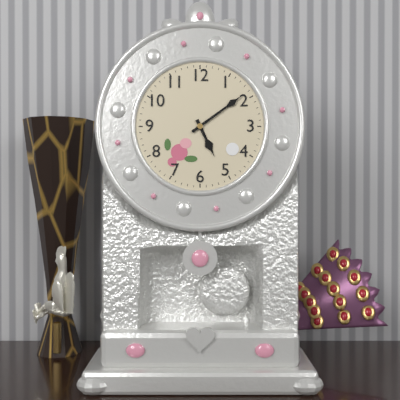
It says 5.09
